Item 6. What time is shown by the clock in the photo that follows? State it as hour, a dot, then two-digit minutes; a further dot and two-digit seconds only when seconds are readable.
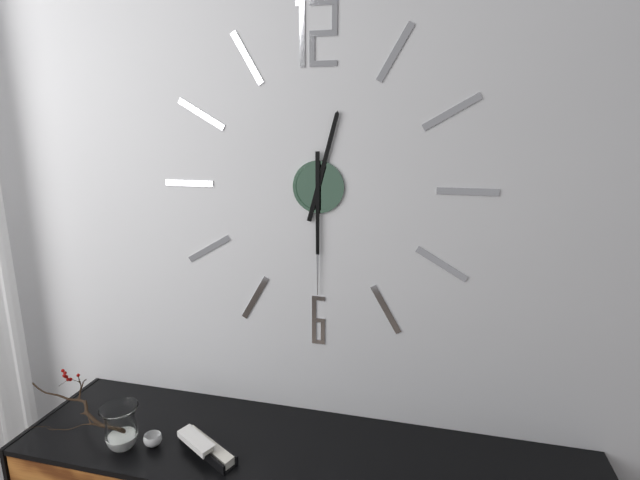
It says 12.30
